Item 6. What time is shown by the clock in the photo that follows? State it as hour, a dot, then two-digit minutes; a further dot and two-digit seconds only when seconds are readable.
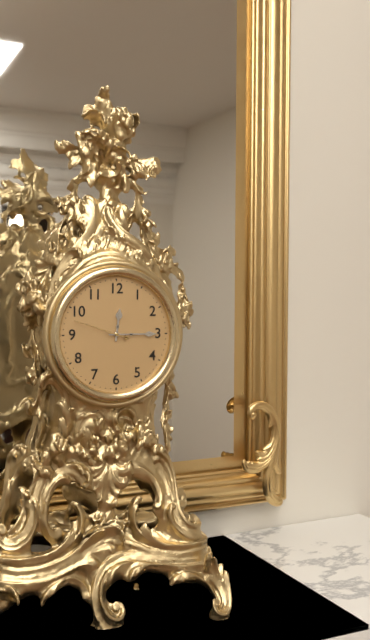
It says 12.15.48
